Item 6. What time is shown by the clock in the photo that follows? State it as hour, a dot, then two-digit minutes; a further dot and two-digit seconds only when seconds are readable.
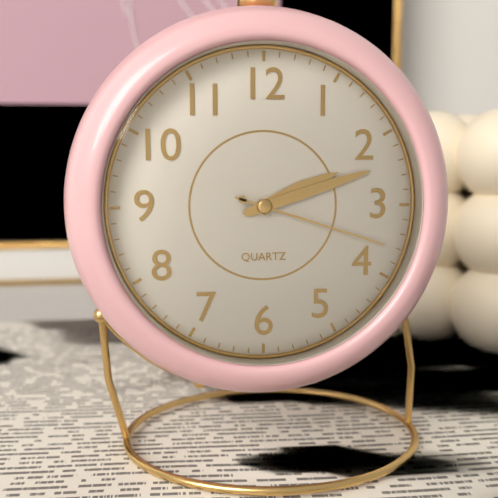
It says 2.12.18
